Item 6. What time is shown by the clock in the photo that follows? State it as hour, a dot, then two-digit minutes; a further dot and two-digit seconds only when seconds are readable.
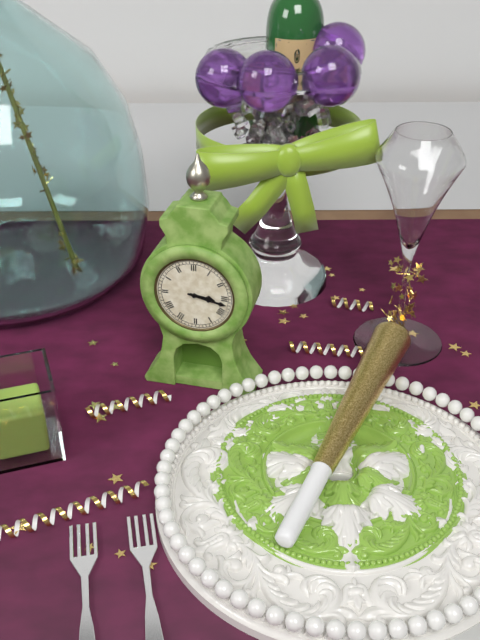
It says 3.17
